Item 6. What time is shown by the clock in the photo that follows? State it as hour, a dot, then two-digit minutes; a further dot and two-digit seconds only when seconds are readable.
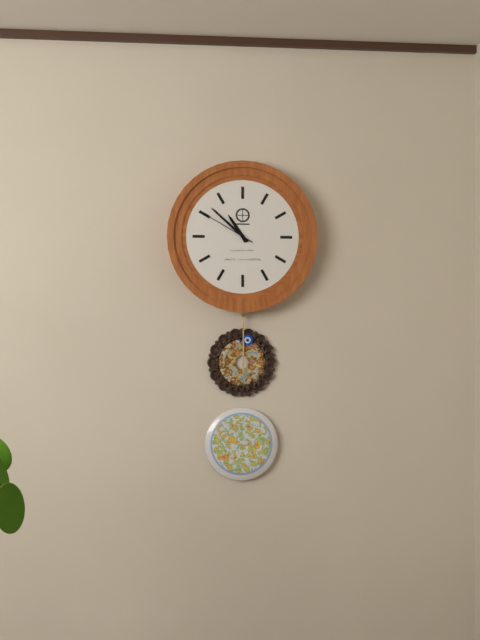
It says 10.52.50
